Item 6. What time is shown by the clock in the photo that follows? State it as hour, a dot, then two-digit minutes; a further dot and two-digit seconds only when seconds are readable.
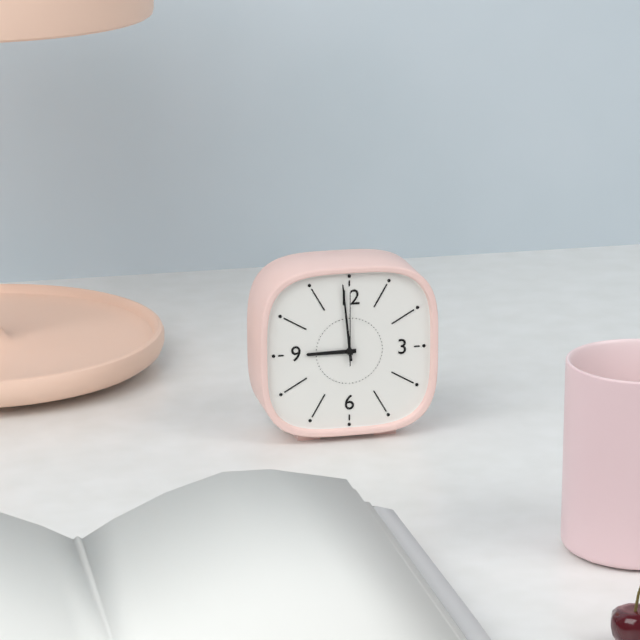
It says 8.59.00
